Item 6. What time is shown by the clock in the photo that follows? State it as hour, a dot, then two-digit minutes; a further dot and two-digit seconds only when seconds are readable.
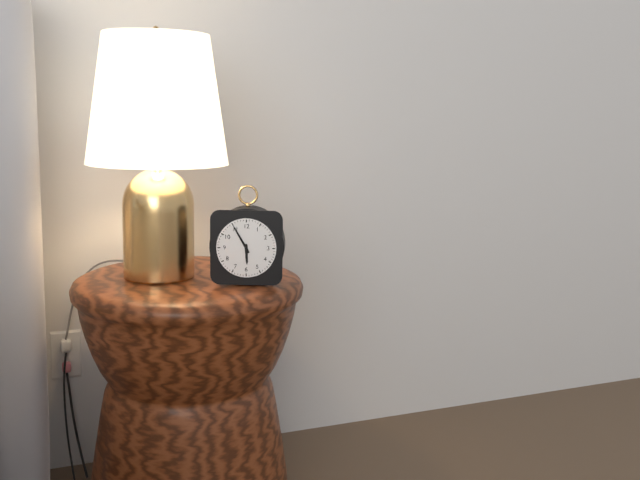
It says 5.55
